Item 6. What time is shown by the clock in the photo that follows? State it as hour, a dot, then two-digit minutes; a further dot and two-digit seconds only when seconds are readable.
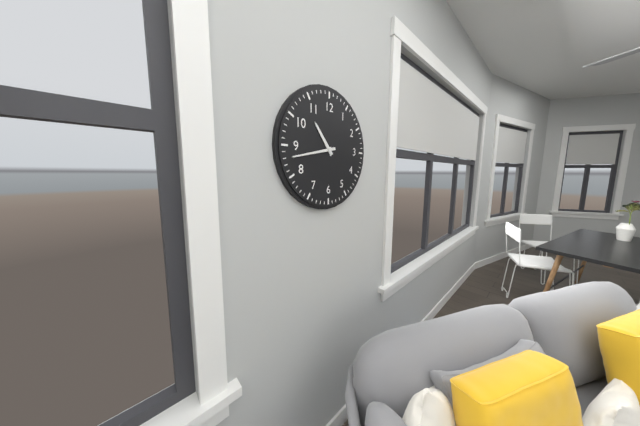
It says 10.43
